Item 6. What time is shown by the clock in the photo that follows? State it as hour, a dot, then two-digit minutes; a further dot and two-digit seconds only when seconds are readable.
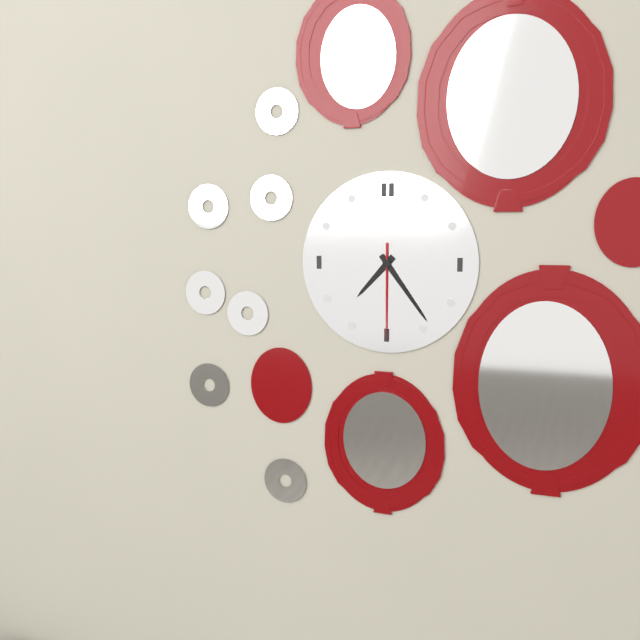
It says 7.24.30
